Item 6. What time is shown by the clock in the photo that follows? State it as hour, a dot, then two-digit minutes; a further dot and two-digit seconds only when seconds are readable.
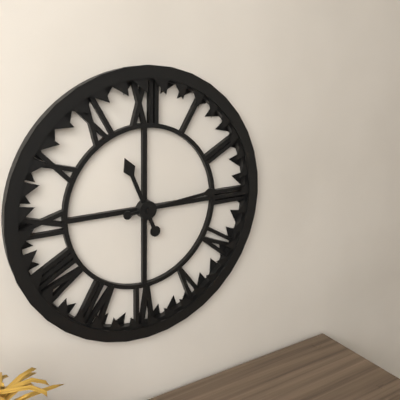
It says 11.14
